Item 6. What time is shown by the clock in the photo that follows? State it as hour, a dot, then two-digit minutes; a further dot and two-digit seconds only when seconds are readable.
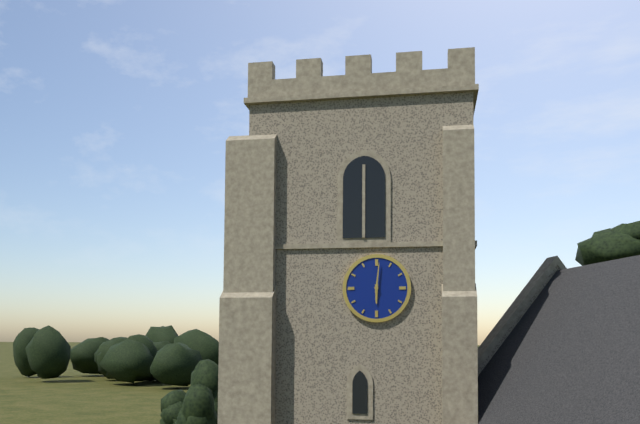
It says 6.01
